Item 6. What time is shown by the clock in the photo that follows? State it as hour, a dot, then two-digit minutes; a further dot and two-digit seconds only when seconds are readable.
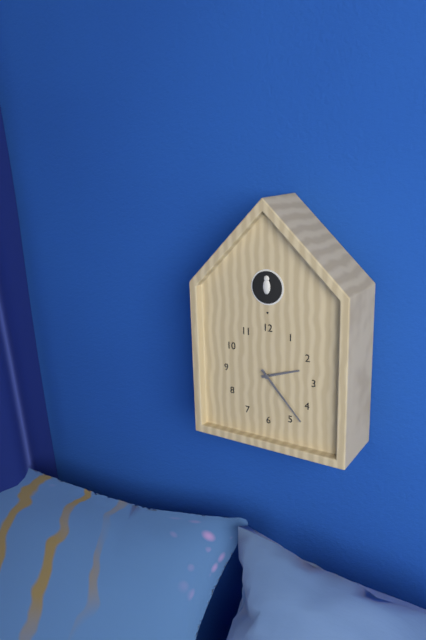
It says 2.23
